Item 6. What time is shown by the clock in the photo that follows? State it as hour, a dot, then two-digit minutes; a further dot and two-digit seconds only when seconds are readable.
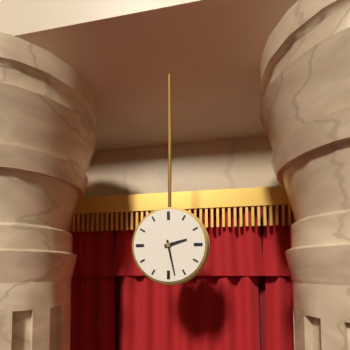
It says 2.28
